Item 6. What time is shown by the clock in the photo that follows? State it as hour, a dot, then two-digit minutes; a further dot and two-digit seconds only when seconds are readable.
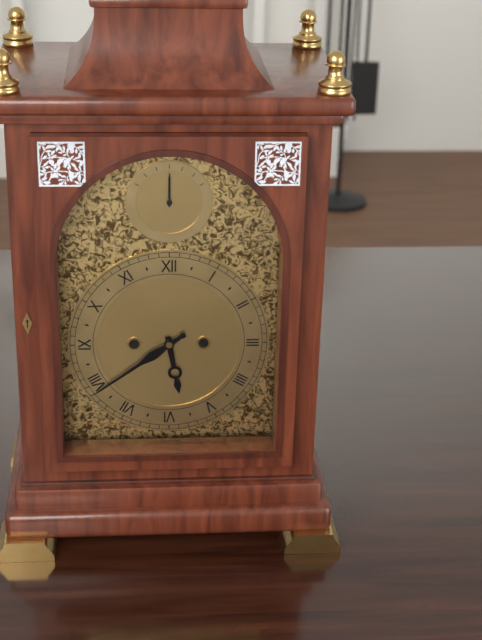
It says 5.39
